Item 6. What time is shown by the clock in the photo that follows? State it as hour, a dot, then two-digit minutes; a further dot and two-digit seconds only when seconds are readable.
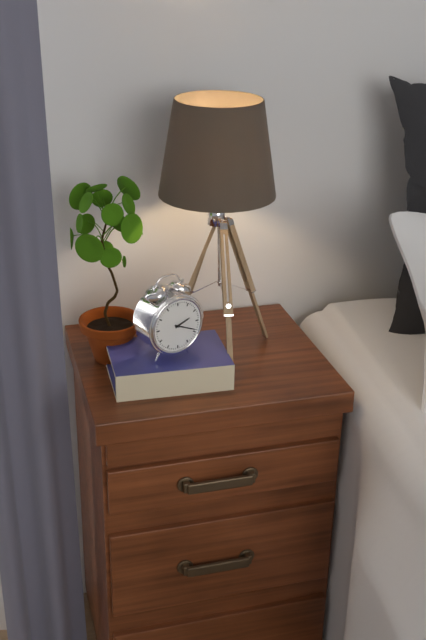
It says 2.19
